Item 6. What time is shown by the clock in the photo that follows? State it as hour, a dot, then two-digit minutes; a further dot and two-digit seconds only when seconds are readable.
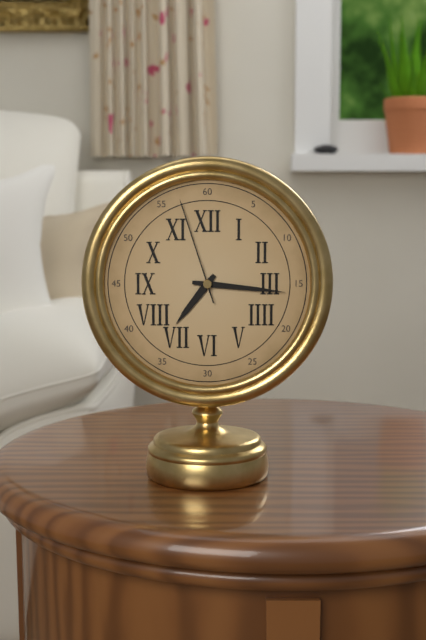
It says 7.16.57
